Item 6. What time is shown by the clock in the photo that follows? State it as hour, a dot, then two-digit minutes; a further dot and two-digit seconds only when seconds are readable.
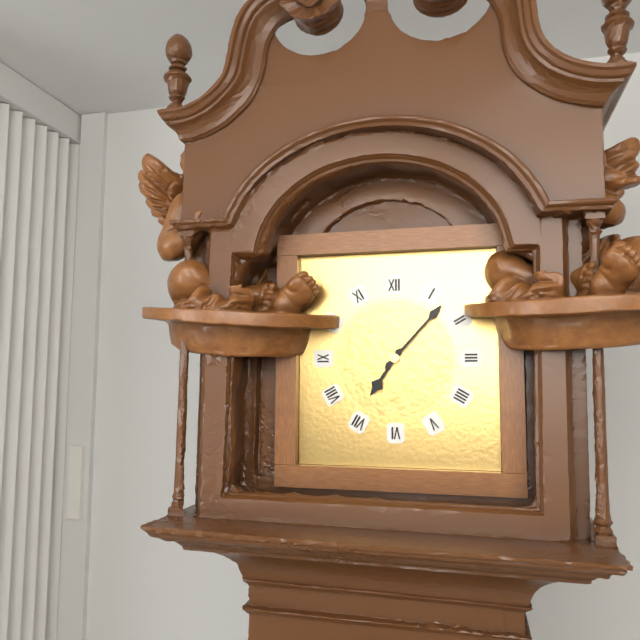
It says 7.07
